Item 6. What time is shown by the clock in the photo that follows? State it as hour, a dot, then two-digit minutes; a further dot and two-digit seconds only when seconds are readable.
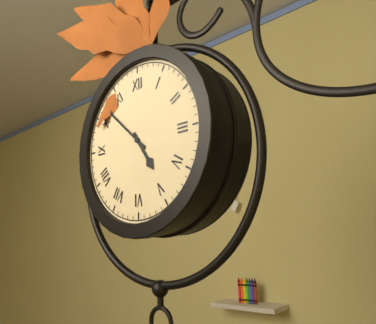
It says 4.52
